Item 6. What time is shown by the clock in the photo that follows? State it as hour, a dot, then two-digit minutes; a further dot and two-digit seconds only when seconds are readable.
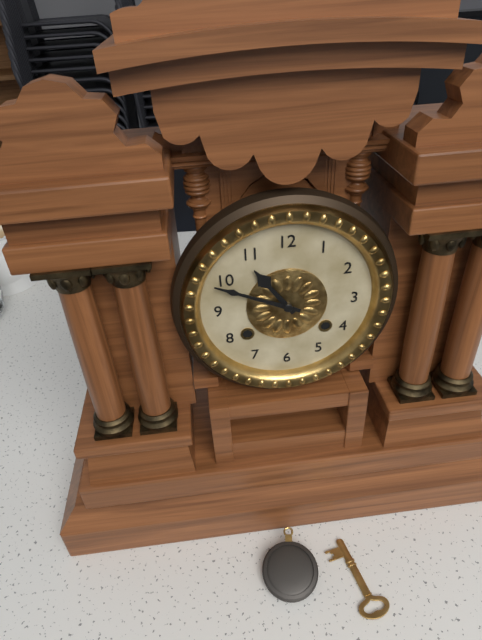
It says 10.49
